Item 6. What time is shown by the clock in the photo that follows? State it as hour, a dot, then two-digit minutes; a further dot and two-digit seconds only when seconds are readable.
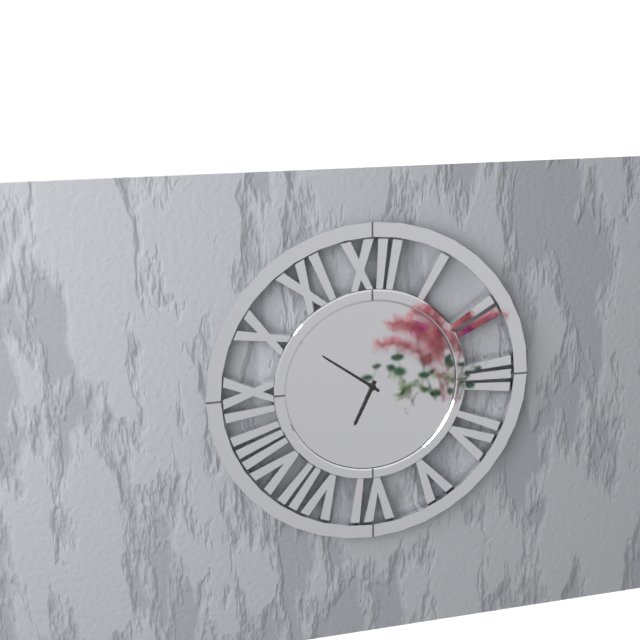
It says 6.51
